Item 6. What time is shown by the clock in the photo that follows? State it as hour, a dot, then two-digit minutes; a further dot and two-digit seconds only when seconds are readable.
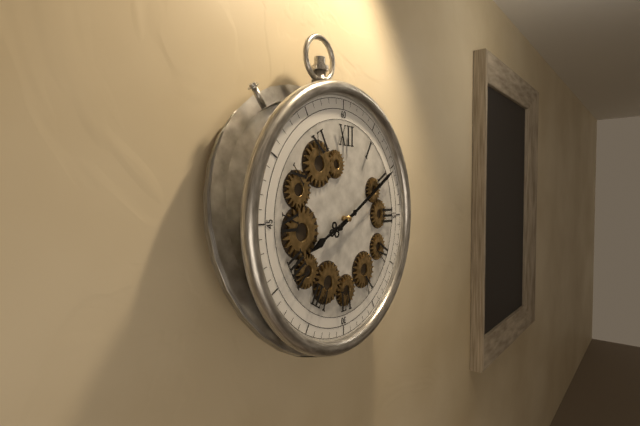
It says 8.10
